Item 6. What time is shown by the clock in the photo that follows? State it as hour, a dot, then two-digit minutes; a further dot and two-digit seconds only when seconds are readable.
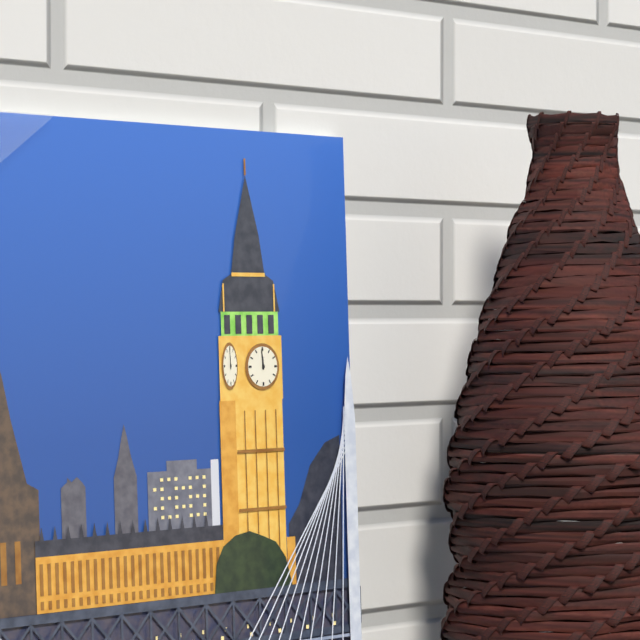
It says 11.59
